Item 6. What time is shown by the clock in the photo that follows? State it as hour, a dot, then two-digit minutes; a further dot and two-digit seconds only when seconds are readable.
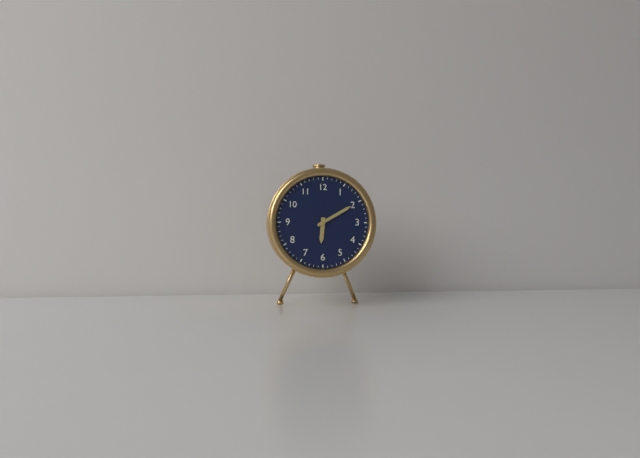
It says 6.10
